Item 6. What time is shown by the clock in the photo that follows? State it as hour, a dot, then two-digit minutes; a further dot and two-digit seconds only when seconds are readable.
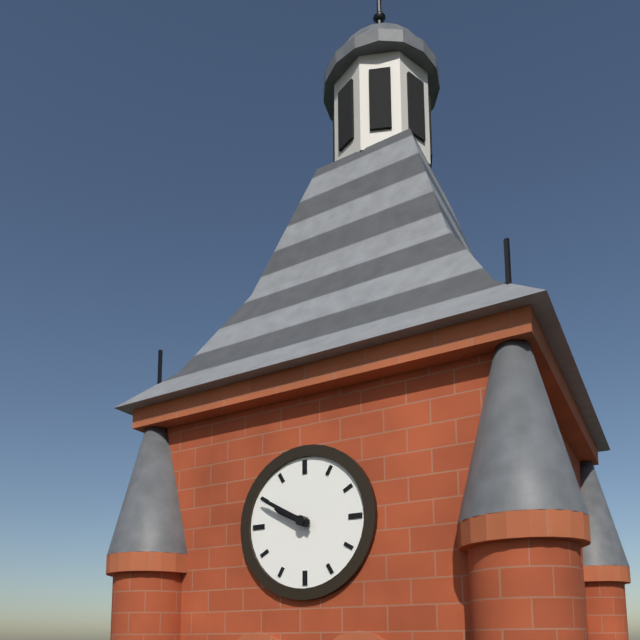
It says 9.50
